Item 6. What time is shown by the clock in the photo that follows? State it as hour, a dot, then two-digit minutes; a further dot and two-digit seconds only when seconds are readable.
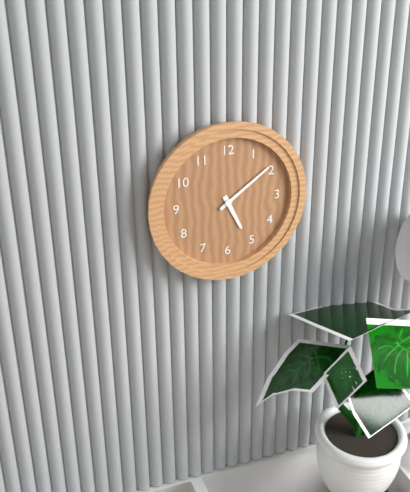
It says 5.09
